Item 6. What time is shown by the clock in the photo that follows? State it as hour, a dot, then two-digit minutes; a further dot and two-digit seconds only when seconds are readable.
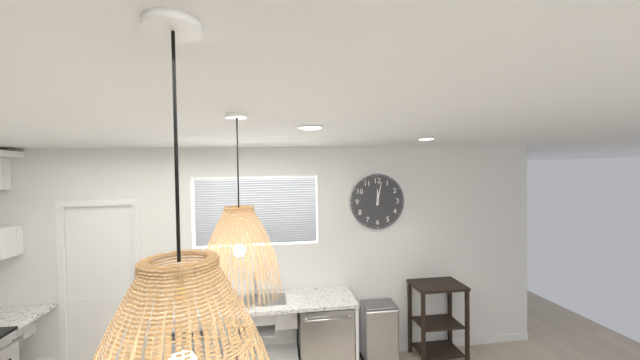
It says 12.02
